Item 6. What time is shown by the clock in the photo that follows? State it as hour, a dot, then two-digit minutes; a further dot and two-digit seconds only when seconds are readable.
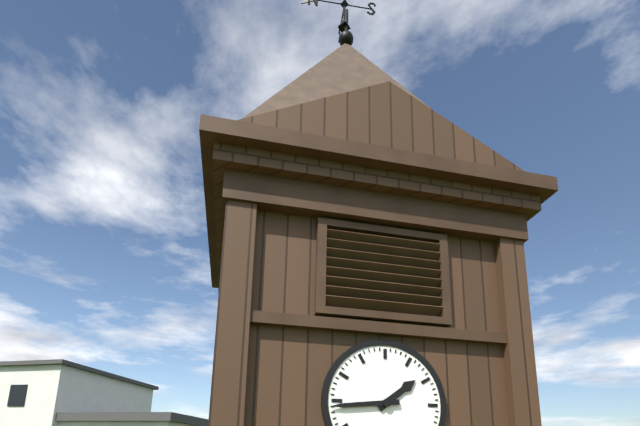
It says 1.44
